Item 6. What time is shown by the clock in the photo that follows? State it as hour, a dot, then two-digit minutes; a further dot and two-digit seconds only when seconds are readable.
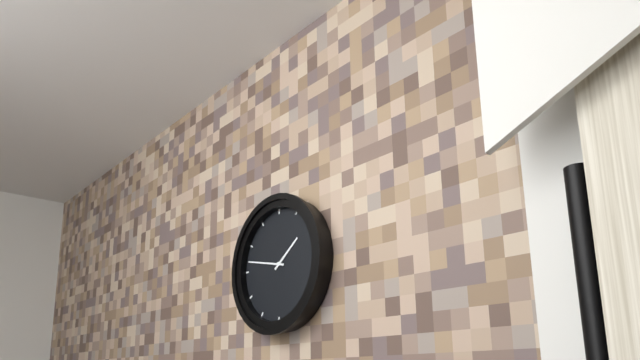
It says 1.47
